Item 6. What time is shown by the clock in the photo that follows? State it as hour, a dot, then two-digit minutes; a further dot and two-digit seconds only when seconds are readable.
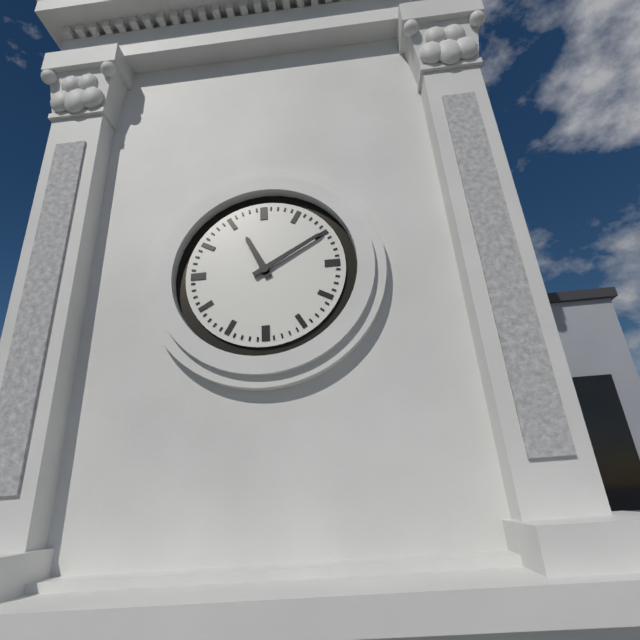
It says 11.10
